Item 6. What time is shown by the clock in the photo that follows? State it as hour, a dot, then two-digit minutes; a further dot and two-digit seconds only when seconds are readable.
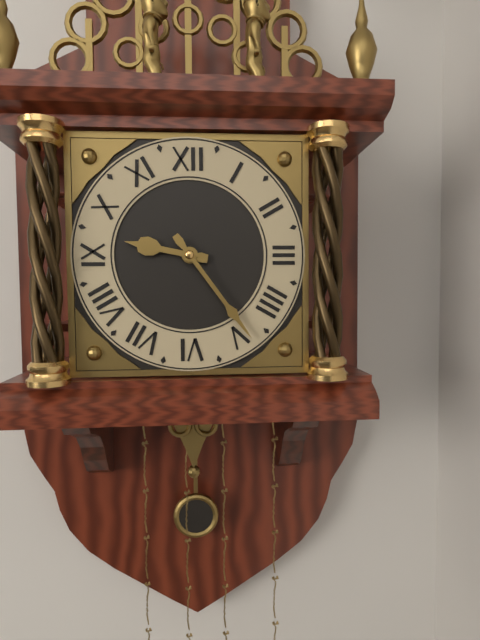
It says 9.24
